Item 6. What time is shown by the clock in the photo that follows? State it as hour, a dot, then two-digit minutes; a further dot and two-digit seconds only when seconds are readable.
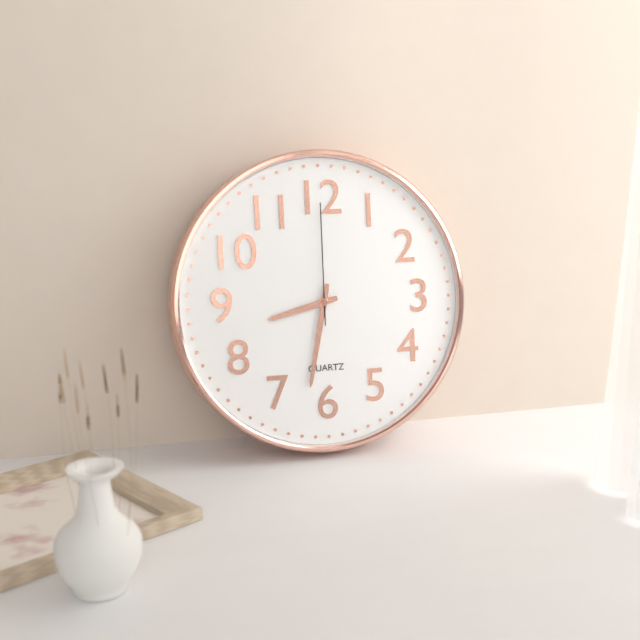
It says 8.32.00
